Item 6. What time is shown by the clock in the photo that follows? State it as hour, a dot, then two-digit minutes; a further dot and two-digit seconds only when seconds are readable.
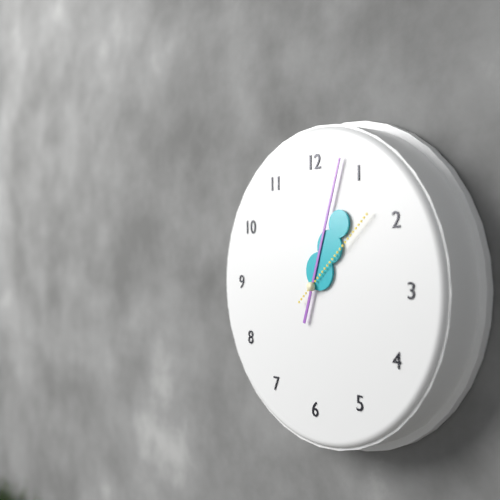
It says 1.03.08
